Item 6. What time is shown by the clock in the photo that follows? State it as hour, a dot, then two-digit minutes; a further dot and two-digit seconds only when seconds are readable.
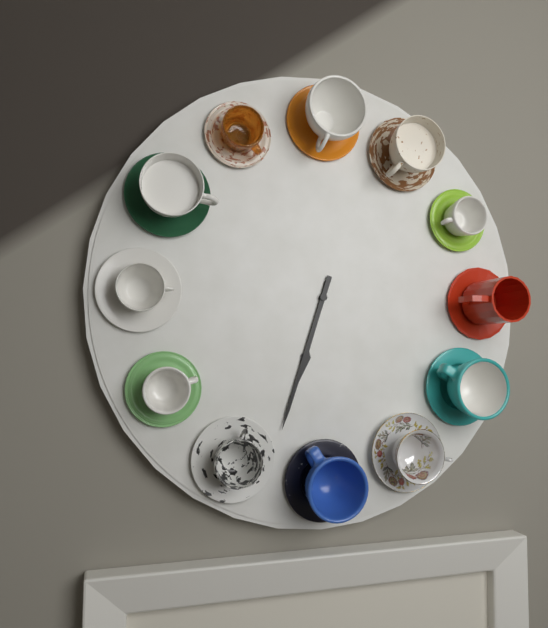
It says 6.33
